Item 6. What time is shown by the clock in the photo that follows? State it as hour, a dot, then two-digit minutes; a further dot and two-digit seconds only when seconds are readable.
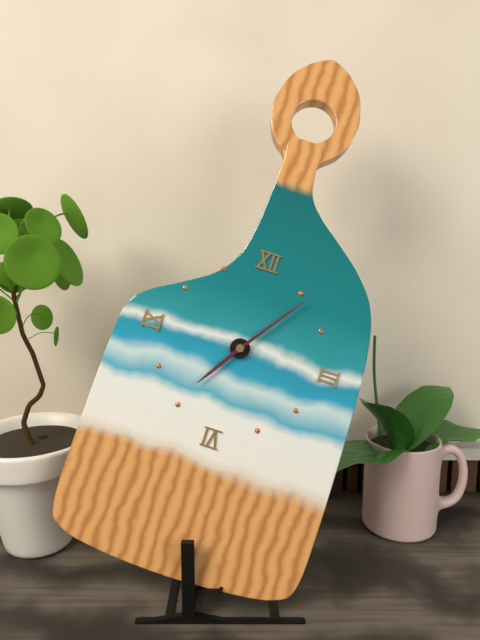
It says 7.06
